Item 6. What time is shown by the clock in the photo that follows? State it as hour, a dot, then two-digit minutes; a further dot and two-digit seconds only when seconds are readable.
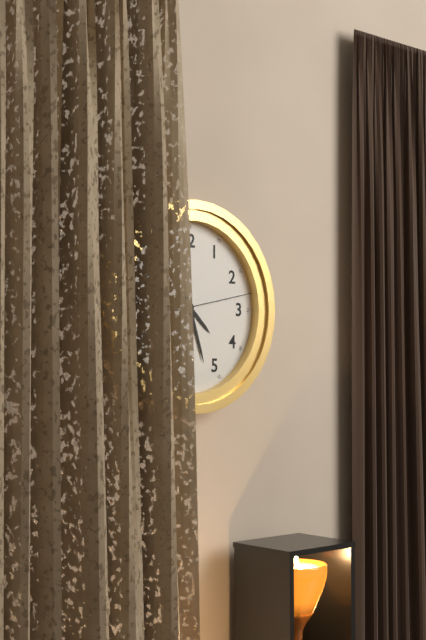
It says 4.27.13
